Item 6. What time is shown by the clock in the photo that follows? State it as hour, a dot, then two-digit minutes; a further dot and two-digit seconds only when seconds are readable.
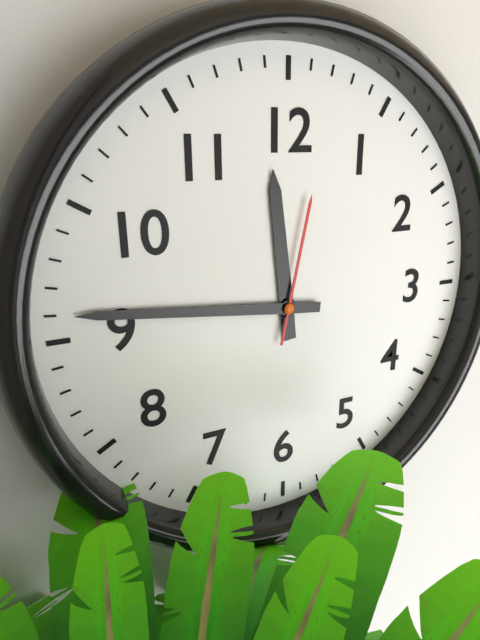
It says 11.46.02
